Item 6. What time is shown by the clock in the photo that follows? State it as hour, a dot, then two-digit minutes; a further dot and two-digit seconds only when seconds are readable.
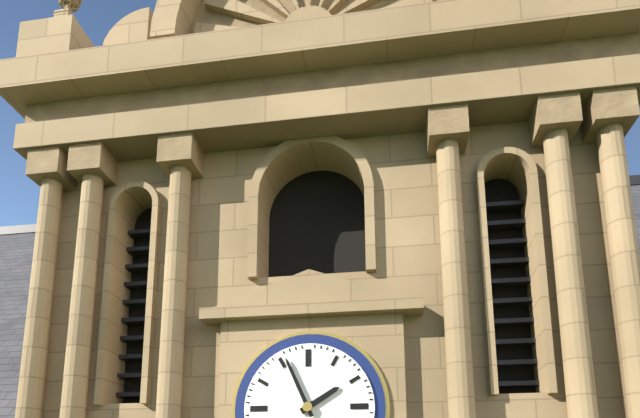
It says 1.56
